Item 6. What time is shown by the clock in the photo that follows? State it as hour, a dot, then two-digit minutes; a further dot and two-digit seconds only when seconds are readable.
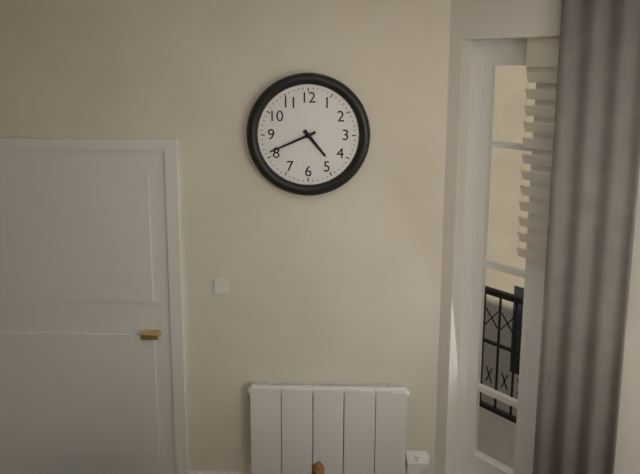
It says 4.41
